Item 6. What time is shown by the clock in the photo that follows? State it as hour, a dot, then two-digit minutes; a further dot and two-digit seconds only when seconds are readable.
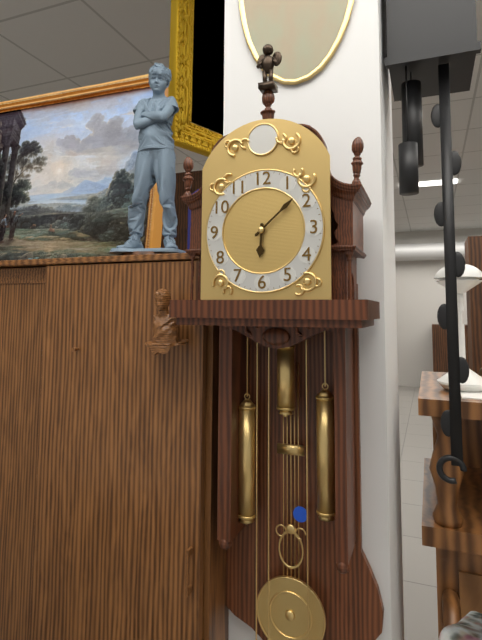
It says 6.08
